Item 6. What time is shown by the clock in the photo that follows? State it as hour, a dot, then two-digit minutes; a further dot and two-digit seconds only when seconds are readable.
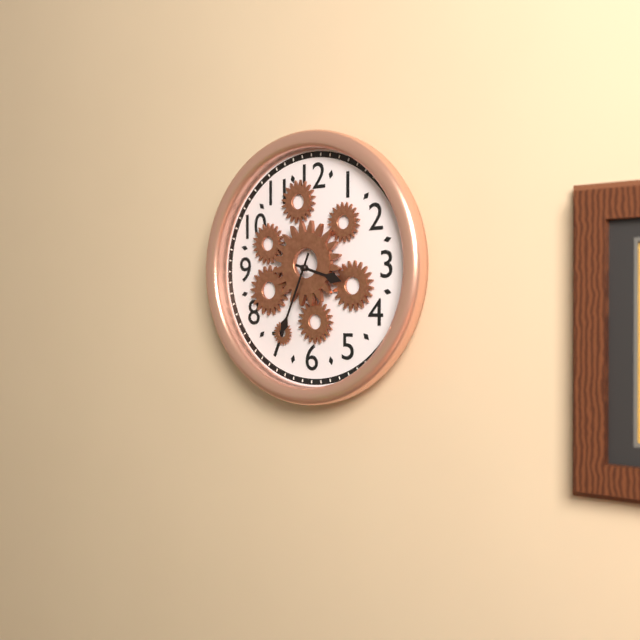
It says 3.34
